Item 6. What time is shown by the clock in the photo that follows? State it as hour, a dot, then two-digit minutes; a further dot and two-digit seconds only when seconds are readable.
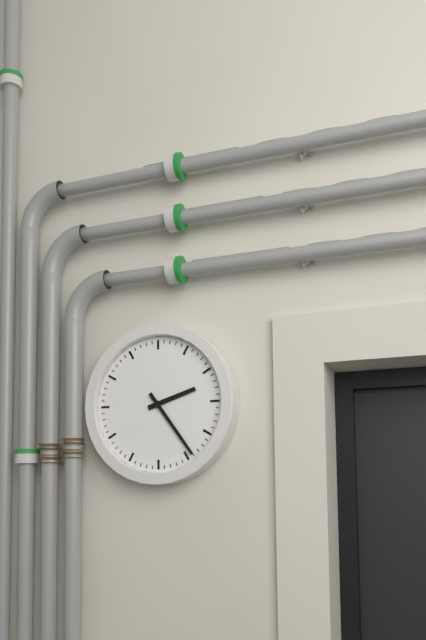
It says 2.24
